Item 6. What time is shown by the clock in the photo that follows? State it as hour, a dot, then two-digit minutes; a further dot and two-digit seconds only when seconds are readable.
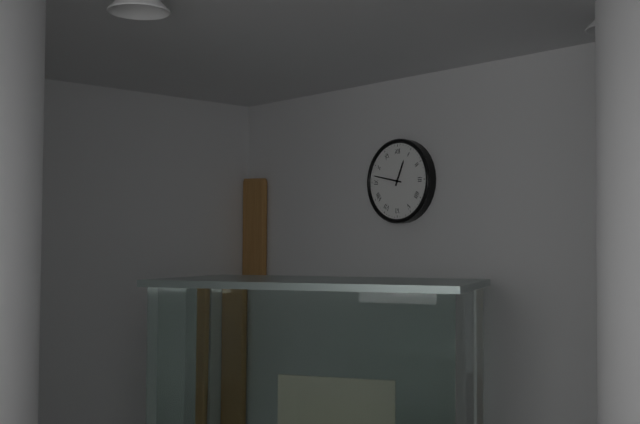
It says 12.47
